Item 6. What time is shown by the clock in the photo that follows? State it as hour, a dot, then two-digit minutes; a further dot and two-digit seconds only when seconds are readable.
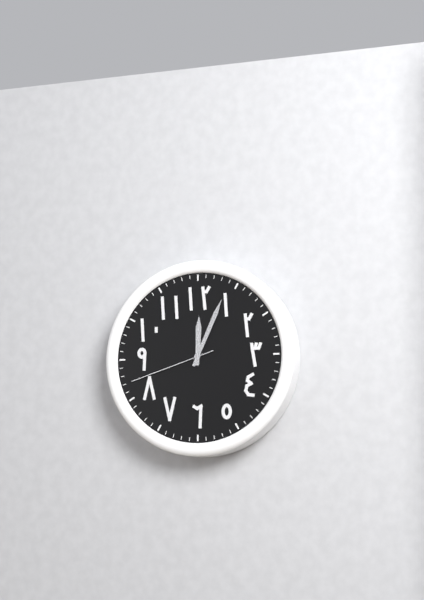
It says 12.04.42
